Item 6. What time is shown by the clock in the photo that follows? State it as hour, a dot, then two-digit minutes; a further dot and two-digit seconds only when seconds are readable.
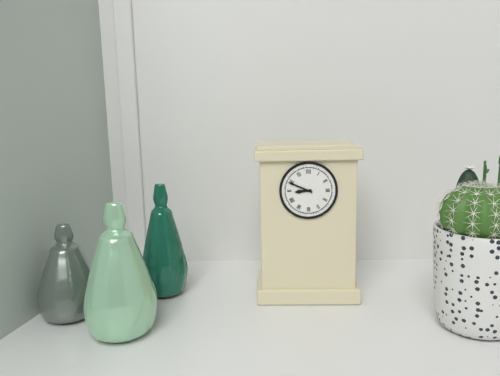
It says 8.49
